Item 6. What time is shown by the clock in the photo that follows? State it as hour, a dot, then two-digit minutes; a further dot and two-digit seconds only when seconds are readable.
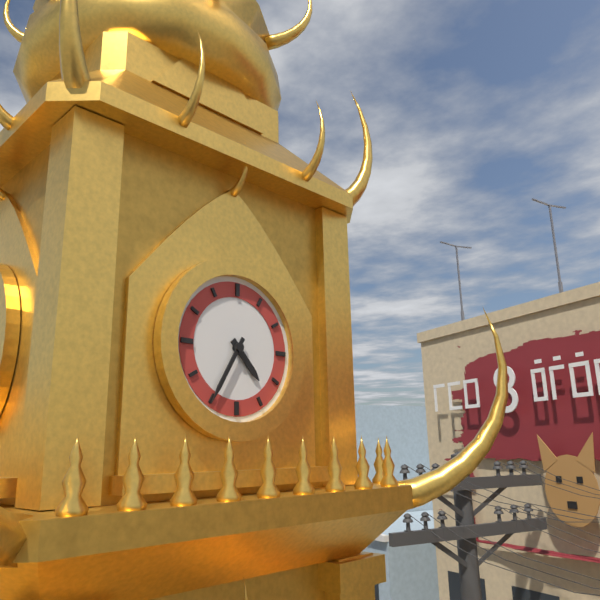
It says 4.35
